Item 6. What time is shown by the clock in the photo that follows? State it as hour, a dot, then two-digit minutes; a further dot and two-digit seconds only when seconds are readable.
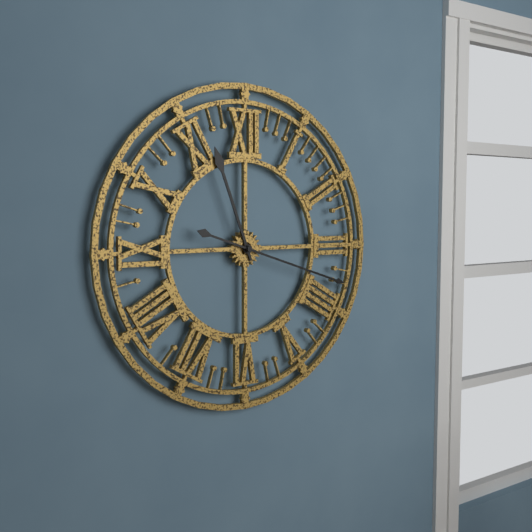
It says 11.18
